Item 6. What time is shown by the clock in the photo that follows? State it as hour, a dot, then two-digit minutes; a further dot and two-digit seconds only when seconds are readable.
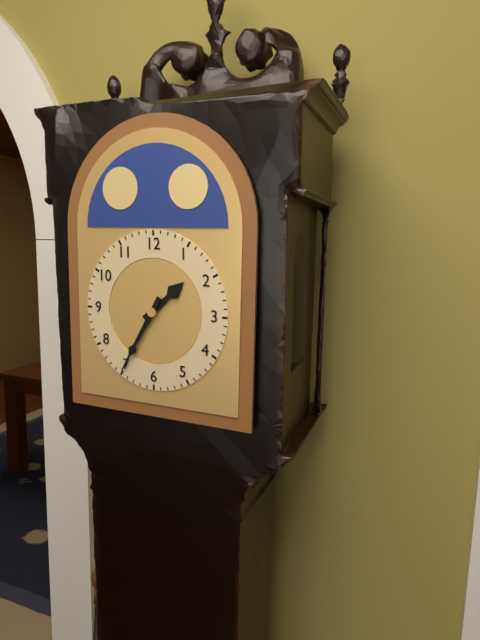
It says 1.35
